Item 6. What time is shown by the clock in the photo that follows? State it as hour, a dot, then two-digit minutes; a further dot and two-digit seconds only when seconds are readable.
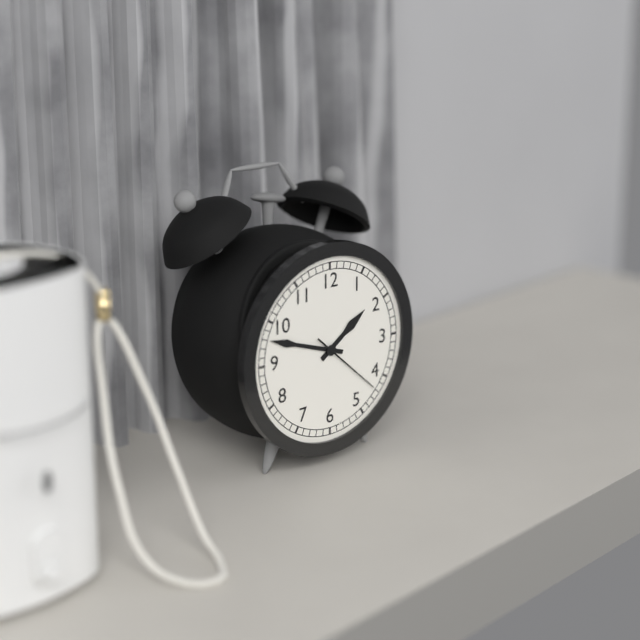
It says 1.48.22
